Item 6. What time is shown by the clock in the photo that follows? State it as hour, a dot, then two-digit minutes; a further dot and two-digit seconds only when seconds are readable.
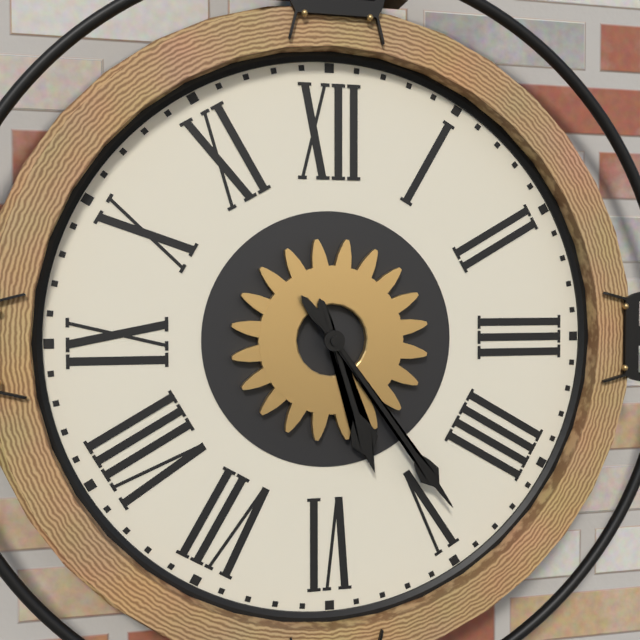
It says 5.24
